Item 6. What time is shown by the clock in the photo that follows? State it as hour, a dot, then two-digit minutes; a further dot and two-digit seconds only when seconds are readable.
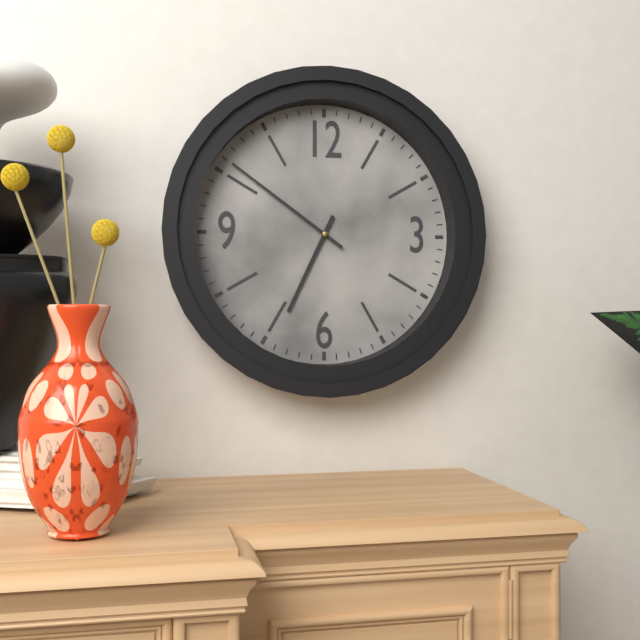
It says 6.51
